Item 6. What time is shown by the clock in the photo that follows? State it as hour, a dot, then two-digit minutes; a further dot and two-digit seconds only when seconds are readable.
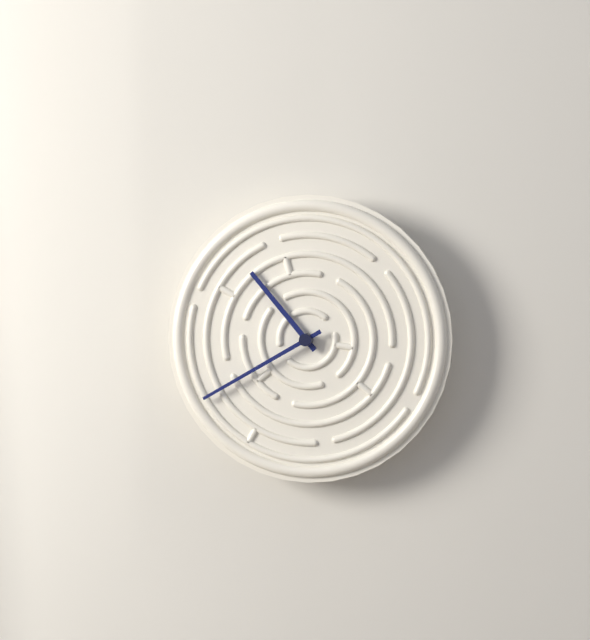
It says 10.40
